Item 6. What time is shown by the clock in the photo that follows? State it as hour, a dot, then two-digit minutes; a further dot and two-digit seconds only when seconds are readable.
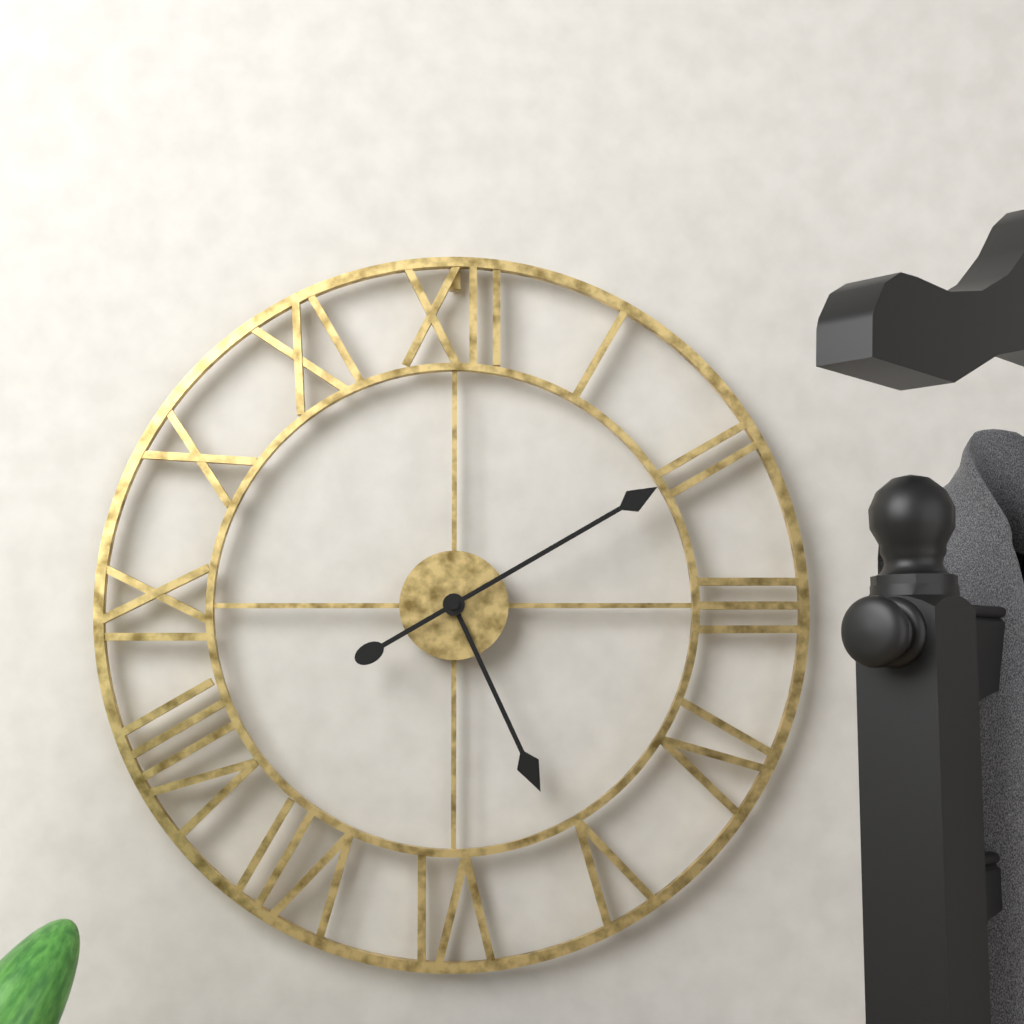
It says 5.10
